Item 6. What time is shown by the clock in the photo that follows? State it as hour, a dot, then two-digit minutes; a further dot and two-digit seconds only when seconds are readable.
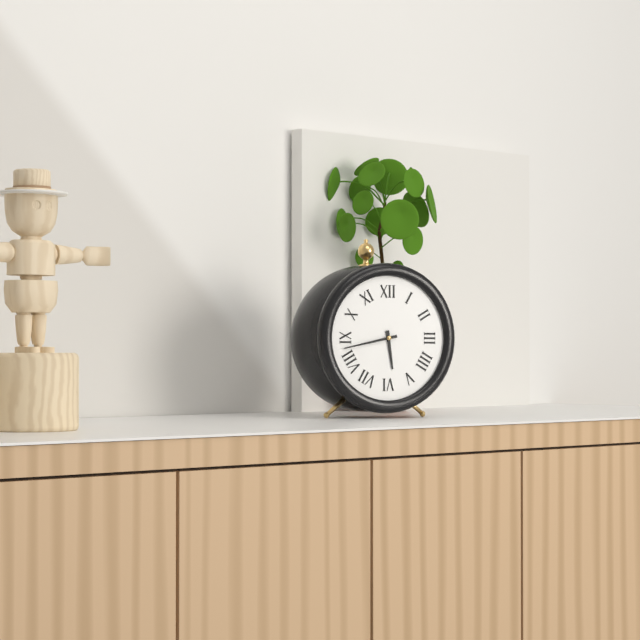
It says 5.43
